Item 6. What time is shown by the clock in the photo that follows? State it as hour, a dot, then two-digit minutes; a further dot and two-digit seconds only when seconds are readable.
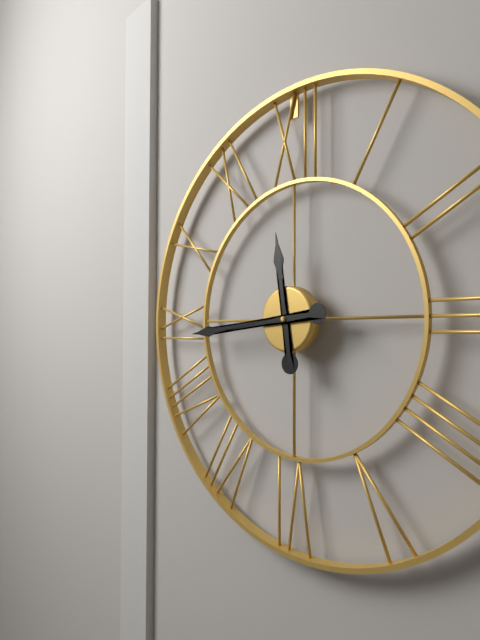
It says 11.44
